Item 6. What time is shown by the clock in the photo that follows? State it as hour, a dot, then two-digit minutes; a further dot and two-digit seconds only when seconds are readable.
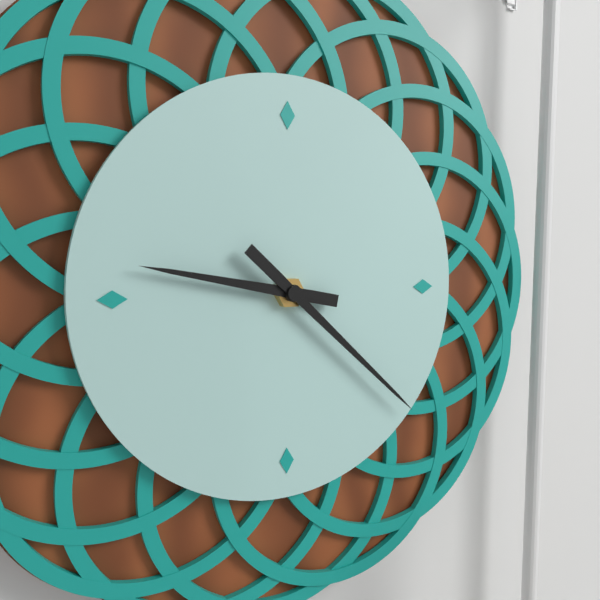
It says 9.22
